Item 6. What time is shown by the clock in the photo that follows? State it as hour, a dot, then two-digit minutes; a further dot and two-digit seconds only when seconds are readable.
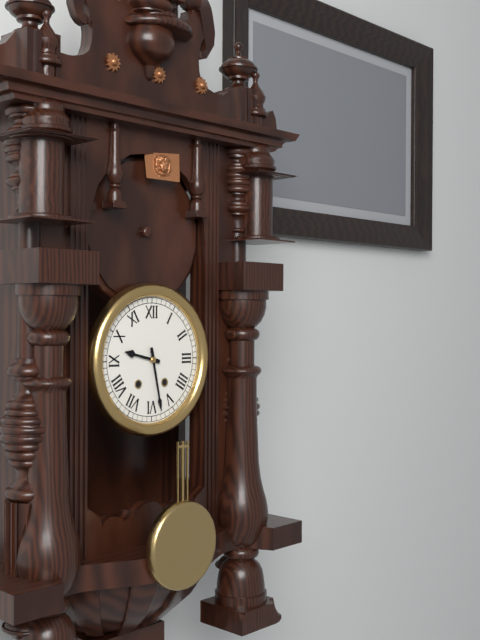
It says 9.28
